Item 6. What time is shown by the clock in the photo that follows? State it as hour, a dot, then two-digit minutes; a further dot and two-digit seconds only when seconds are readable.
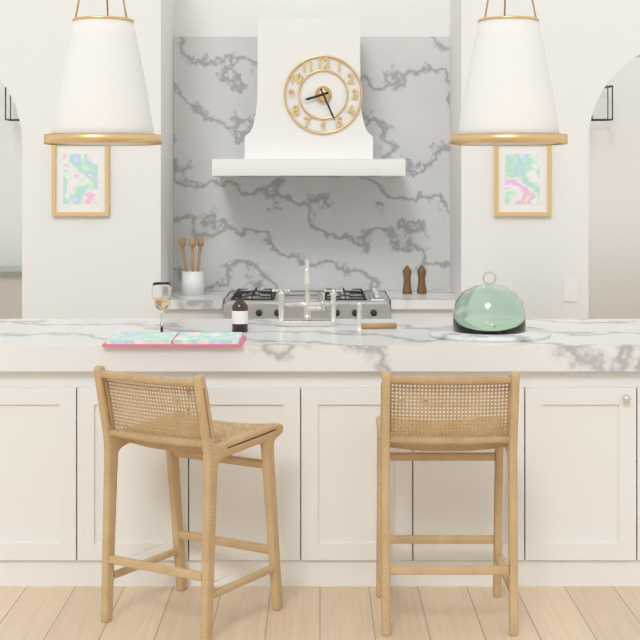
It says 8.26
